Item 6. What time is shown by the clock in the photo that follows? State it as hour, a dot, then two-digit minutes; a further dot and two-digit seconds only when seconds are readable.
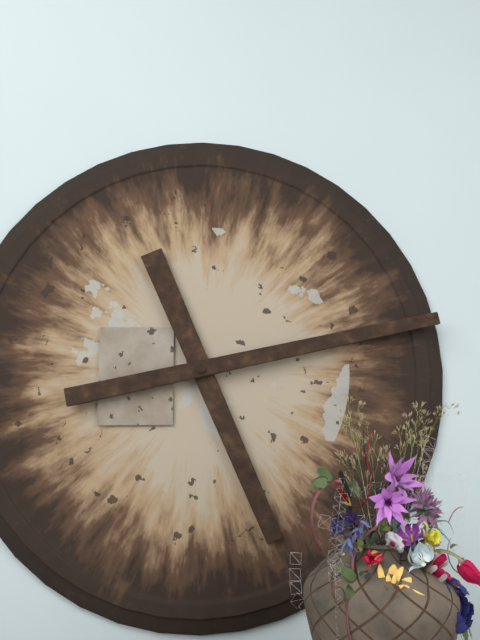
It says 5.13
